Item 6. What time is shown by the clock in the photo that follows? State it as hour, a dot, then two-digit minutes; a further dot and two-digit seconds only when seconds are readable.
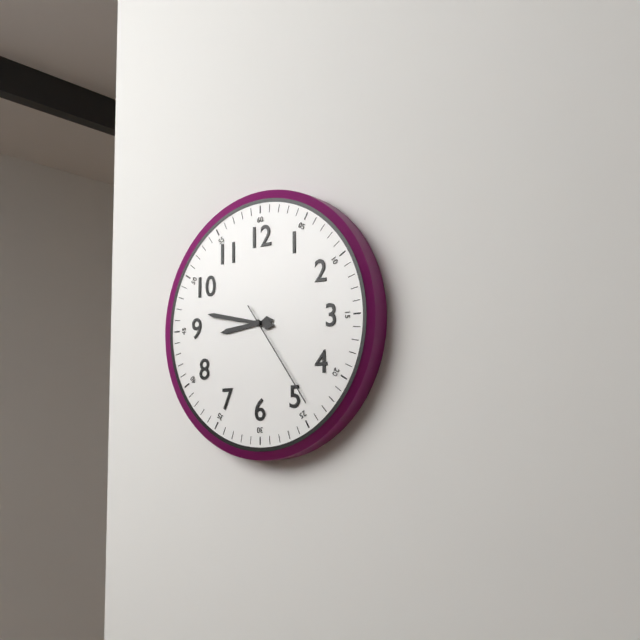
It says 8.47.24
